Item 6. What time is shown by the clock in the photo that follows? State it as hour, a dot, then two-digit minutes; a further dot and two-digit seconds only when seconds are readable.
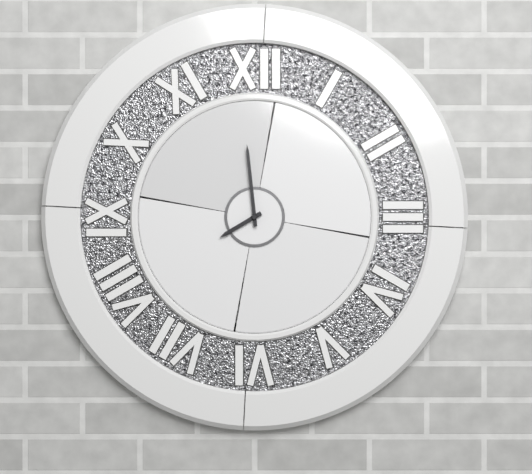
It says 7.59
